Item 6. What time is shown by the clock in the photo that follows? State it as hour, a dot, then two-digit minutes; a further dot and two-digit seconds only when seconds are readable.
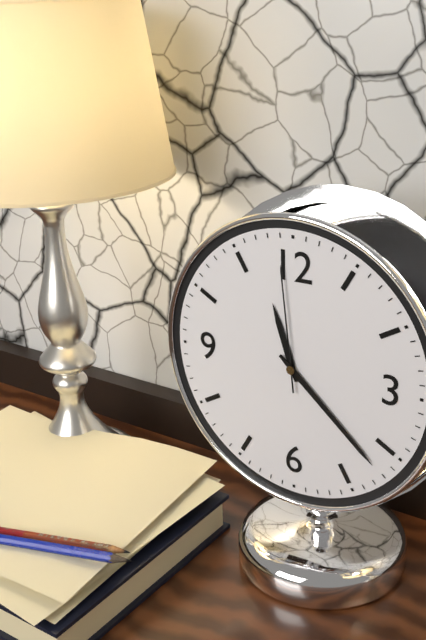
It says 11.22.59
